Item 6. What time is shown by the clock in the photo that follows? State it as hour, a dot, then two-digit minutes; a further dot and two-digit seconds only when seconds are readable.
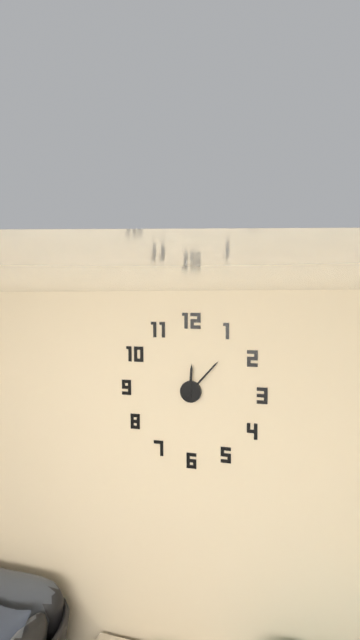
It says 12.07
